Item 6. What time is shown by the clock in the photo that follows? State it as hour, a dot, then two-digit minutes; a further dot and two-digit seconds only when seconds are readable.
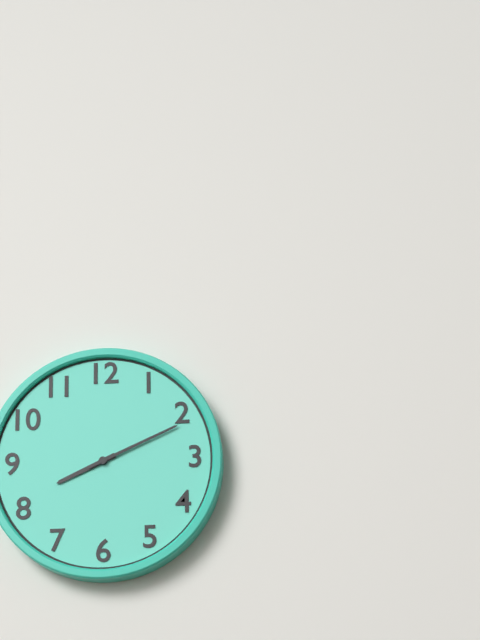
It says 8.11
